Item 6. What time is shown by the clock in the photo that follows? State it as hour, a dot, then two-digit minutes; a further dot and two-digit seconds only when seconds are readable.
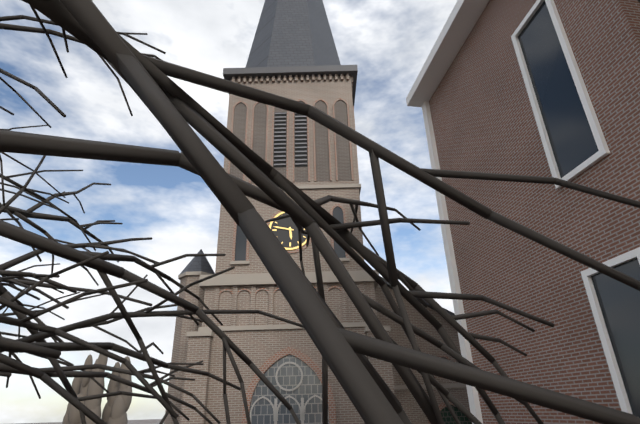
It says 5.47
